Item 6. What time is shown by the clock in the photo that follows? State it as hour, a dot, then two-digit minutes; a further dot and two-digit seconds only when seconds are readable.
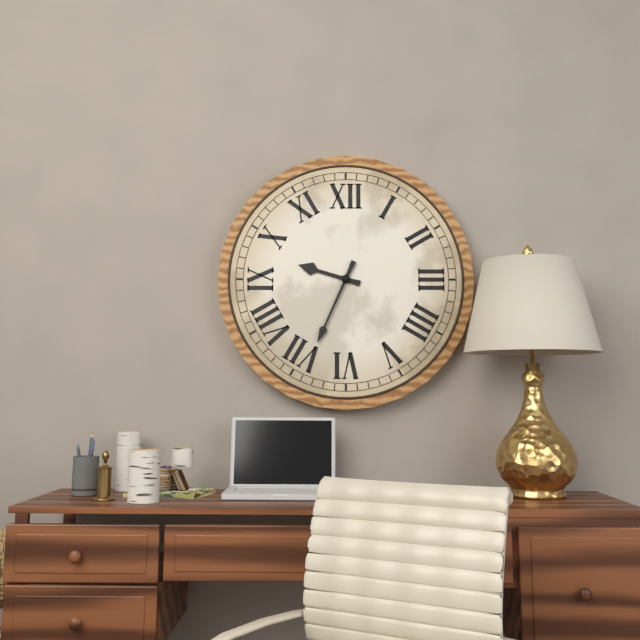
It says 9.34
